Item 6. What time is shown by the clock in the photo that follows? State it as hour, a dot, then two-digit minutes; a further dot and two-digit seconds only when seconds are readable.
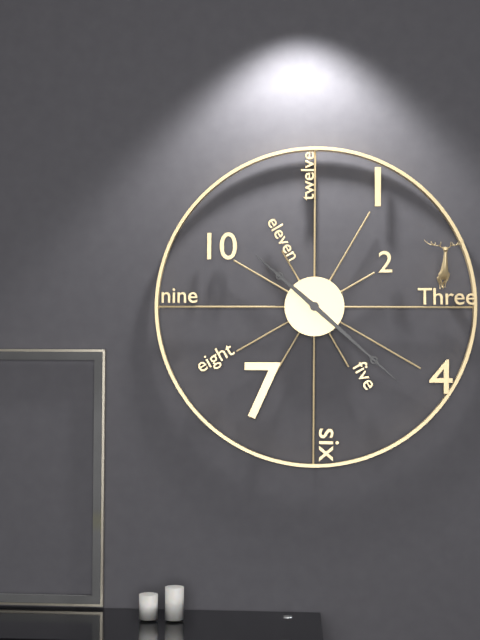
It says 10.22
